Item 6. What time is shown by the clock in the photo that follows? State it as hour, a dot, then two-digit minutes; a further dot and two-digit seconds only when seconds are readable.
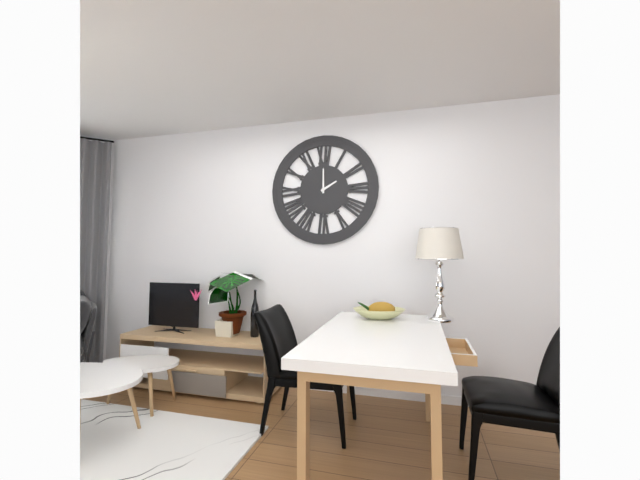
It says 2.00
